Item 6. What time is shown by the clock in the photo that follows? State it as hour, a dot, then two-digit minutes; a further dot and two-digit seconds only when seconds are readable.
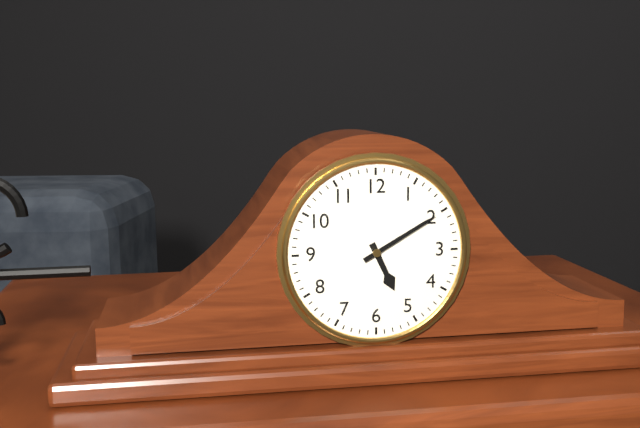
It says 5.10
